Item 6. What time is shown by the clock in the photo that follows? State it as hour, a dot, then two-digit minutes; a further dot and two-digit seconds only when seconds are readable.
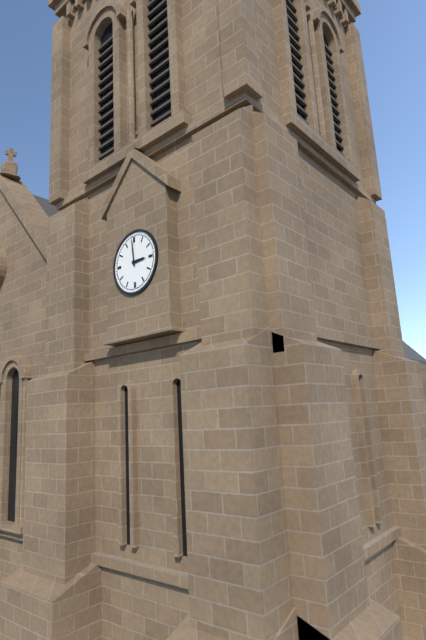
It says 2.59
